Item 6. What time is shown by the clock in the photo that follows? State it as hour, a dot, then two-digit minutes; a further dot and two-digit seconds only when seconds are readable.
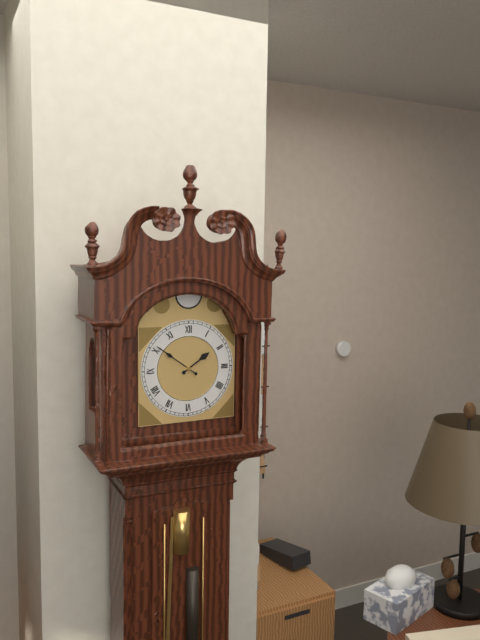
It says 1.51
